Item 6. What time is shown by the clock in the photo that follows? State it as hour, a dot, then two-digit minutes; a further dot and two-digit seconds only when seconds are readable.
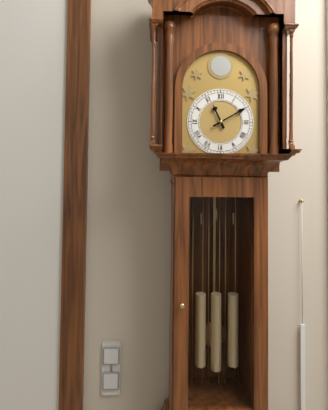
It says 11.10
